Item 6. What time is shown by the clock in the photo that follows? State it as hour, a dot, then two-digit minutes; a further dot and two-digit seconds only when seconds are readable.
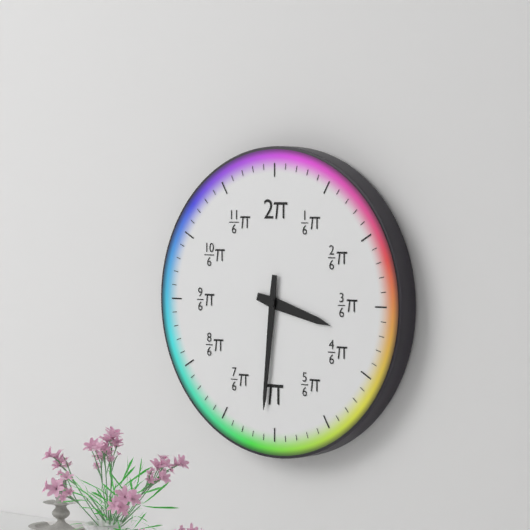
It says 3.31
